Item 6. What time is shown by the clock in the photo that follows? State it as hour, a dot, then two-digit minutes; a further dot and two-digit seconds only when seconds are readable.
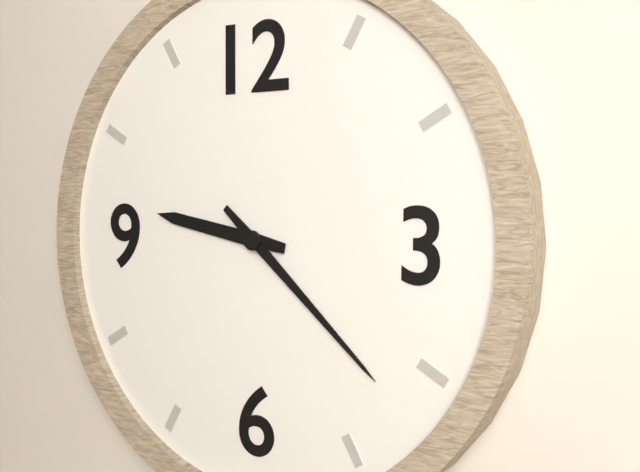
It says 9.22
